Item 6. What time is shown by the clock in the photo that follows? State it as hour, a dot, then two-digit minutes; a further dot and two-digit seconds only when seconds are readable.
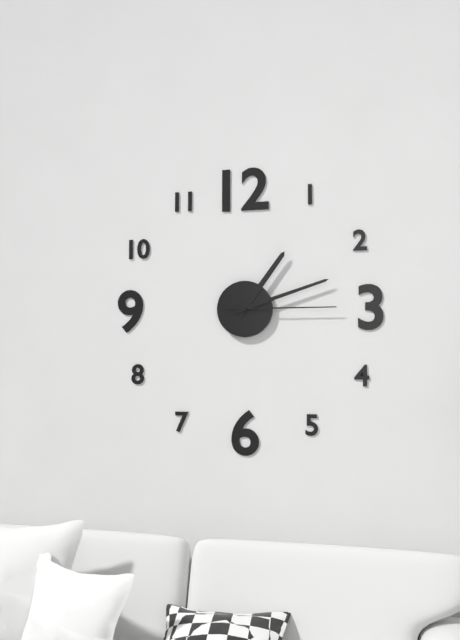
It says 1.12.15
